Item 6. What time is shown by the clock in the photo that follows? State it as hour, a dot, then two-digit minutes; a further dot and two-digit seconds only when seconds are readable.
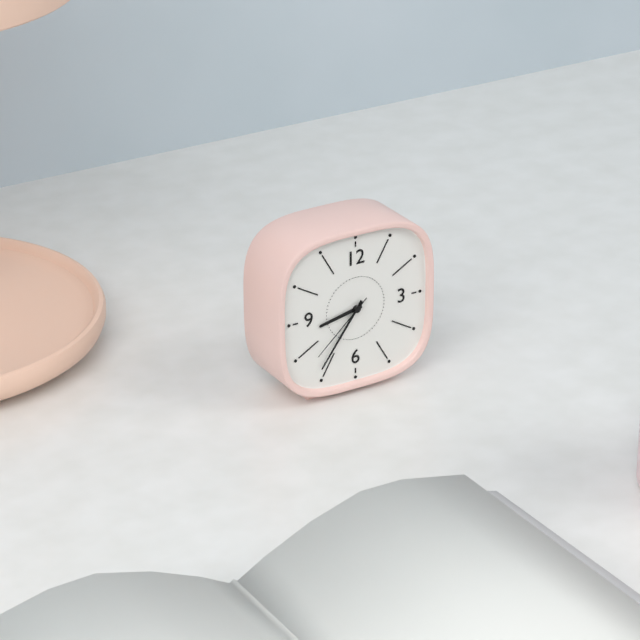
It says 8.36.38
